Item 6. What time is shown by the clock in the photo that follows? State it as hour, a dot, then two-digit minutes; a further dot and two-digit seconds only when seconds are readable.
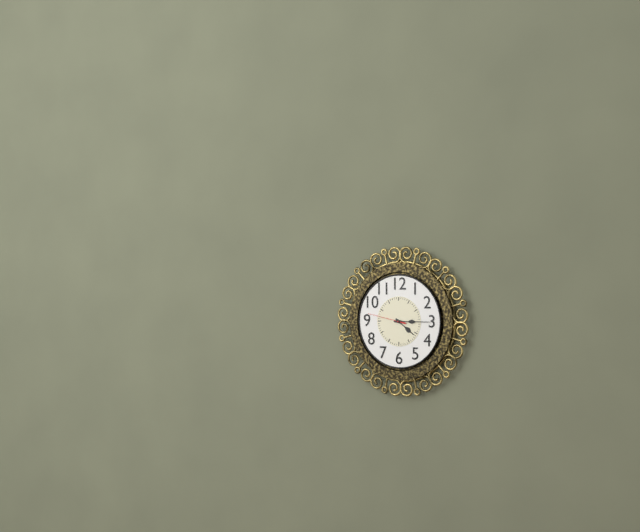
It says 4.15
